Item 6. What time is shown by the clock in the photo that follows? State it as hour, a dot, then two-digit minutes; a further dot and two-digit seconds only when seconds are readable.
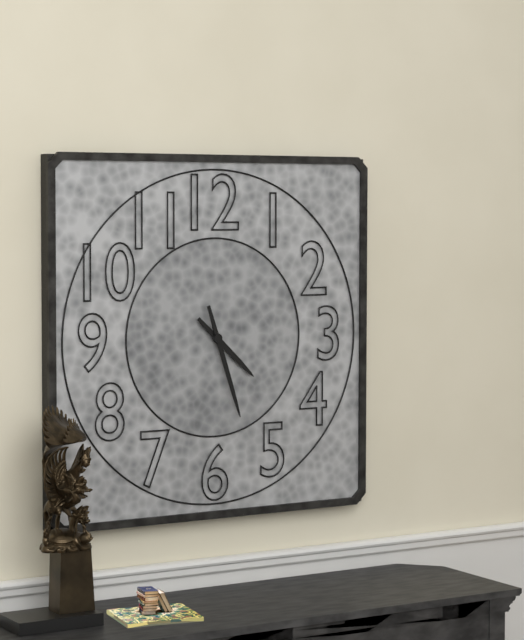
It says 4.27
